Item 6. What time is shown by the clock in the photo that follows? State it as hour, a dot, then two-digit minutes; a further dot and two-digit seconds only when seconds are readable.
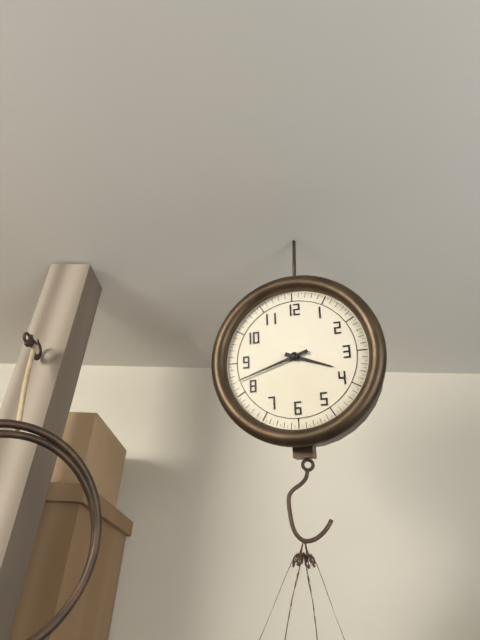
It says 3.42
